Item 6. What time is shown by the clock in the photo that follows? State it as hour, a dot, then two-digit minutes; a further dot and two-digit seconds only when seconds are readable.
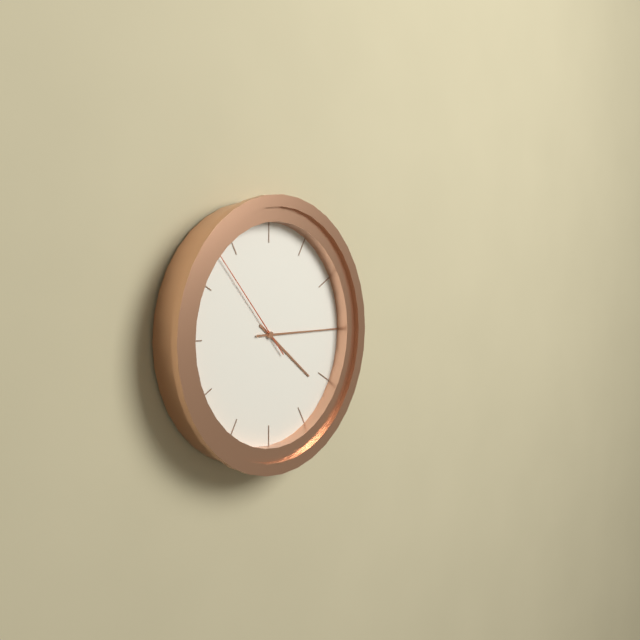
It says 4.15.53
